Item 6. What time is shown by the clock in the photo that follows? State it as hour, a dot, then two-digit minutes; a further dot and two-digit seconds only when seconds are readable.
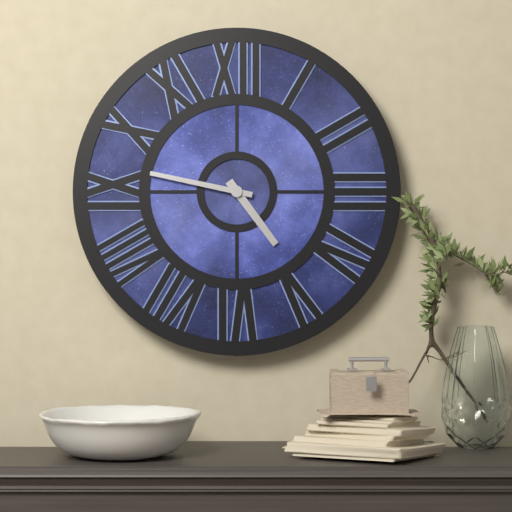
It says 4.47
